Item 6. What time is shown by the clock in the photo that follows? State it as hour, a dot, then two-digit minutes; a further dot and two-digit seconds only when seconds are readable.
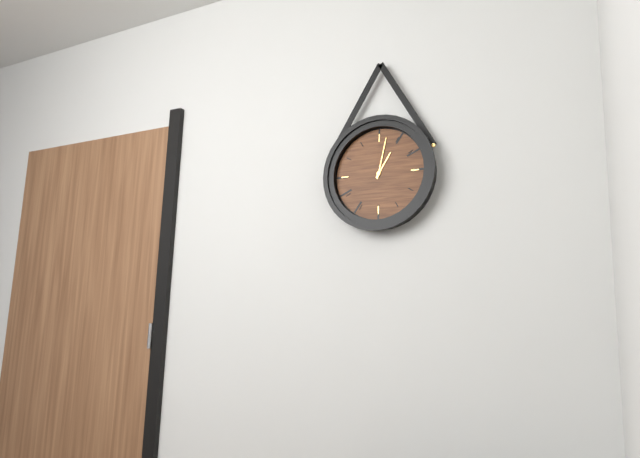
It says 1.02
